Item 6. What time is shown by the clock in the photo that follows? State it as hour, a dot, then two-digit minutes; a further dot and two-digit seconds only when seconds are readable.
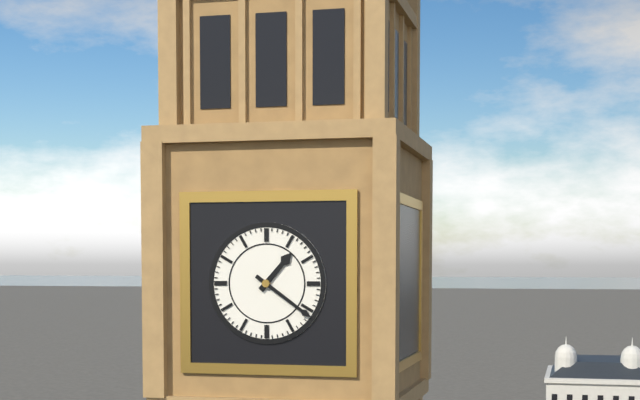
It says 1.21
